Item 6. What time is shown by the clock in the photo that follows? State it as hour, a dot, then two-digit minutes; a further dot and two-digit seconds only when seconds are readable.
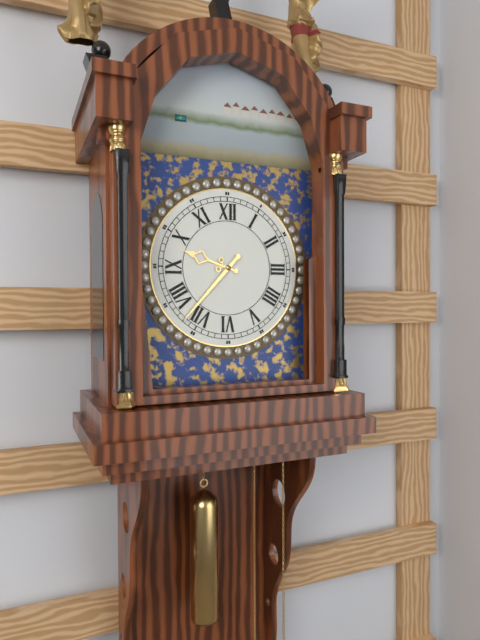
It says 9.37
